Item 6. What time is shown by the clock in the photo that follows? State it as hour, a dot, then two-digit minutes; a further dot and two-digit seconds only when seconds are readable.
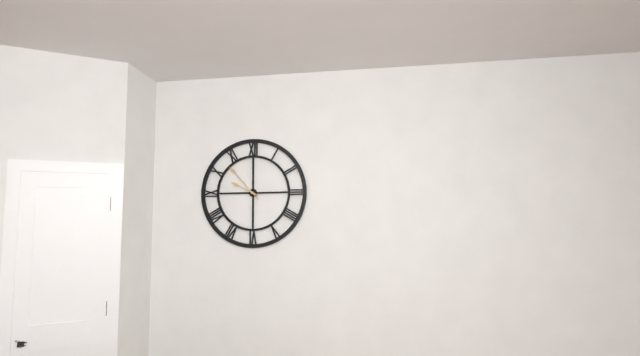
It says 9.53
